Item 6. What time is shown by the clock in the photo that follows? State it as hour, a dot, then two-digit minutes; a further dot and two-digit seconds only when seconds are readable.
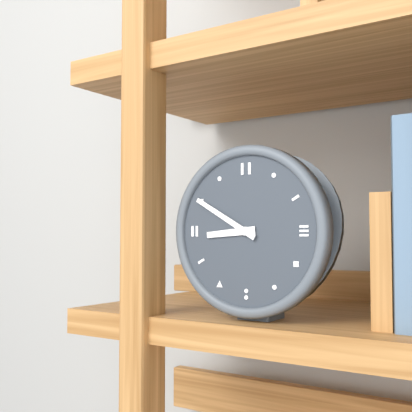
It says 8.50
